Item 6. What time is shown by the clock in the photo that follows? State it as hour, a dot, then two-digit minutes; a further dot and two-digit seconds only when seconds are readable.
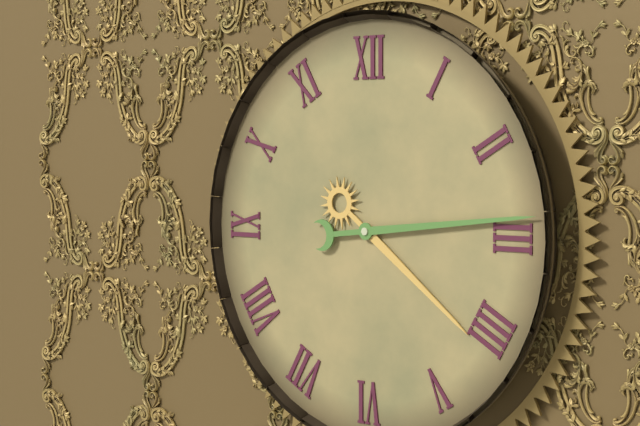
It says 4.14
